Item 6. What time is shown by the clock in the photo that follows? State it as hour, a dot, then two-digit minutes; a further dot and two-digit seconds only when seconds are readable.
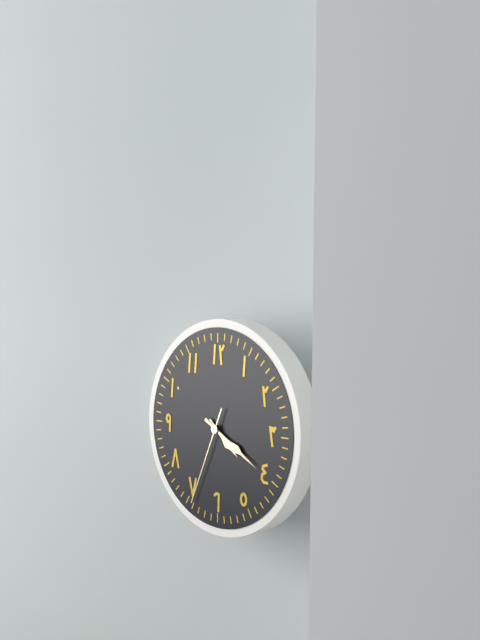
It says 4.20.34
